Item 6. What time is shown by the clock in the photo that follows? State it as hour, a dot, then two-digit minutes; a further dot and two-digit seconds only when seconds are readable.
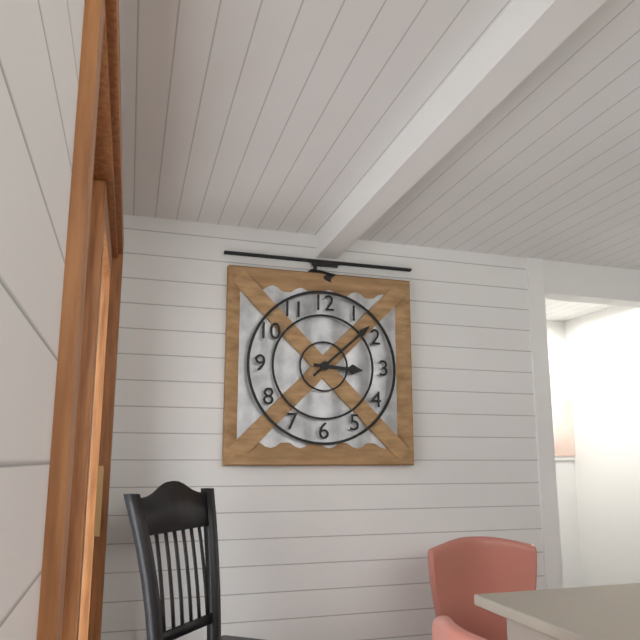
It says 3.08
